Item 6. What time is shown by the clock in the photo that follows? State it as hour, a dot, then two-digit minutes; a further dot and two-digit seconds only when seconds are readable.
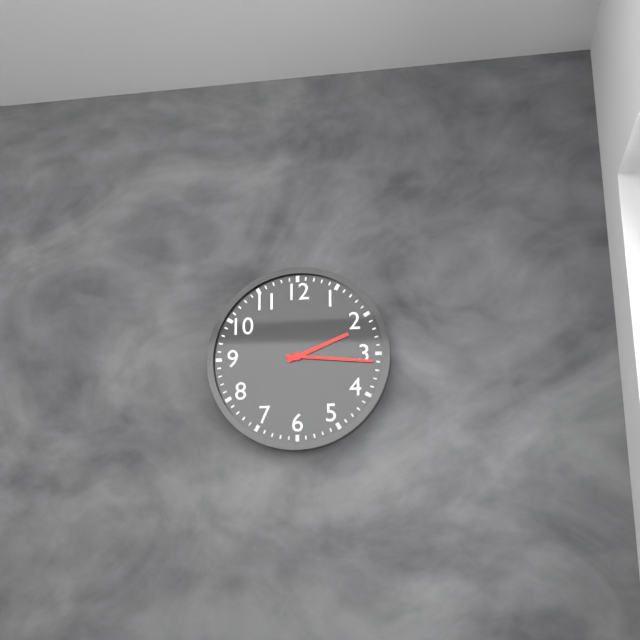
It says 2.16
